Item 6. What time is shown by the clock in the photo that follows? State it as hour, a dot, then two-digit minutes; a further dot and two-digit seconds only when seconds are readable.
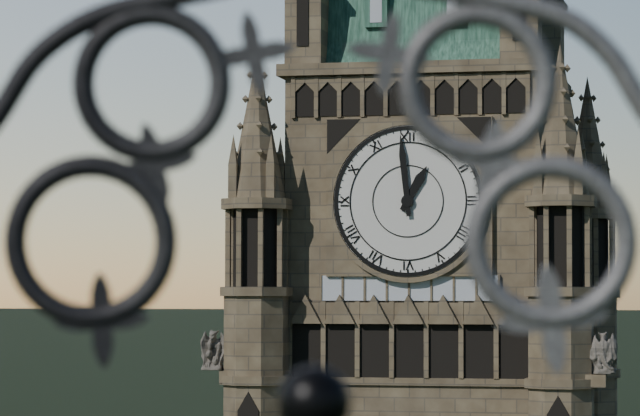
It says 12.59
